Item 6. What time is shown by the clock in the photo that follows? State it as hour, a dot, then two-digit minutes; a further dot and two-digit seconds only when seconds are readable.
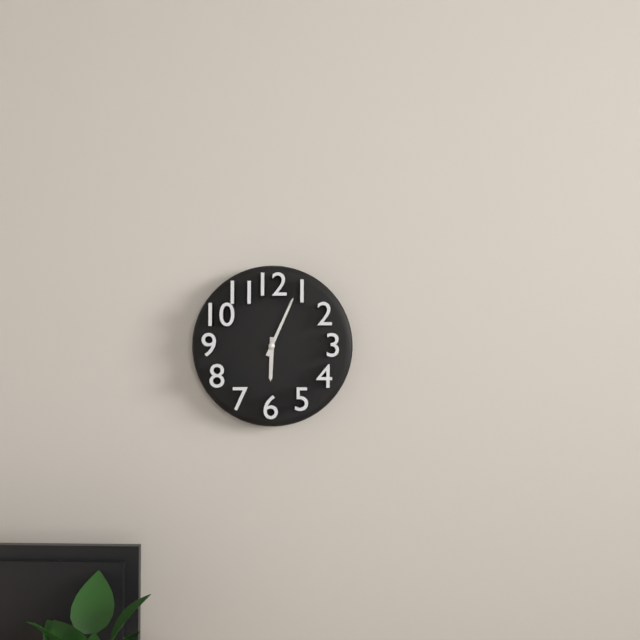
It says 6.04
